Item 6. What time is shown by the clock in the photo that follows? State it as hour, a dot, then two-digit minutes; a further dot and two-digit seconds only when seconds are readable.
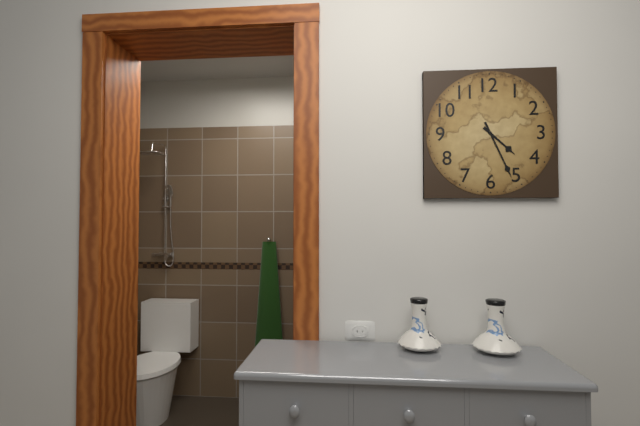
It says 4.26
